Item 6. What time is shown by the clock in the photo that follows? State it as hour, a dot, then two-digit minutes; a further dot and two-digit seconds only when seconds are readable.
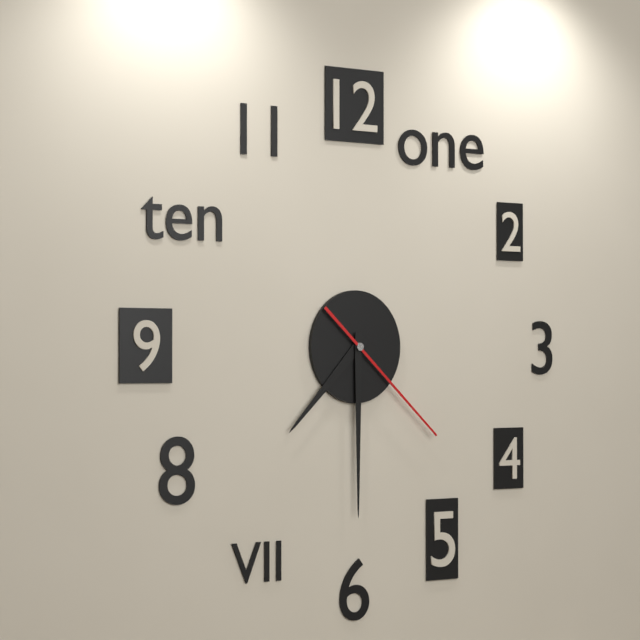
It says 7.30.22
